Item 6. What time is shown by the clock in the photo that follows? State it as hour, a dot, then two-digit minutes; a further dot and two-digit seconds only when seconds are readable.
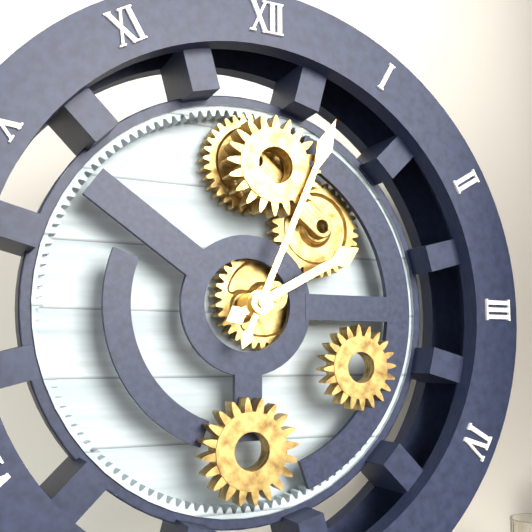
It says 2.04
